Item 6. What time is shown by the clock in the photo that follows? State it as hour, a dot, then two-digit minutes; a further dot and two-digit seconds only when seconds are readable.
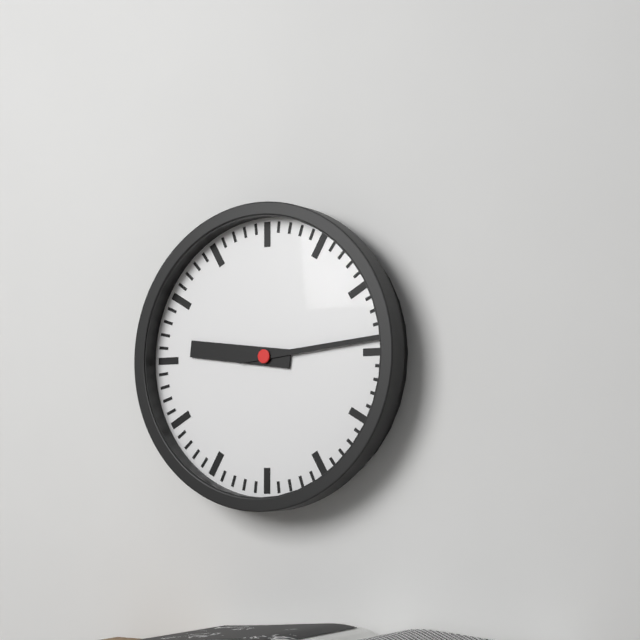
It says 9.14
